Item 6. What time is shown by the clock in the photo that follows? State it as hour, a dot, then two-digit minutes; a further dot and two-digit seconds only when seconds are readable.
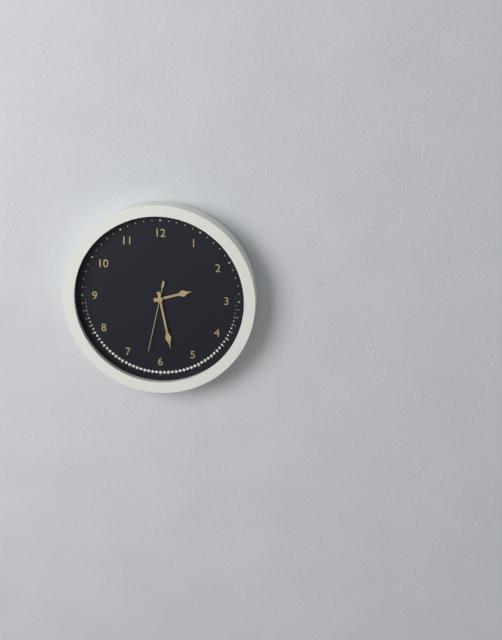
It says 2.28.32
